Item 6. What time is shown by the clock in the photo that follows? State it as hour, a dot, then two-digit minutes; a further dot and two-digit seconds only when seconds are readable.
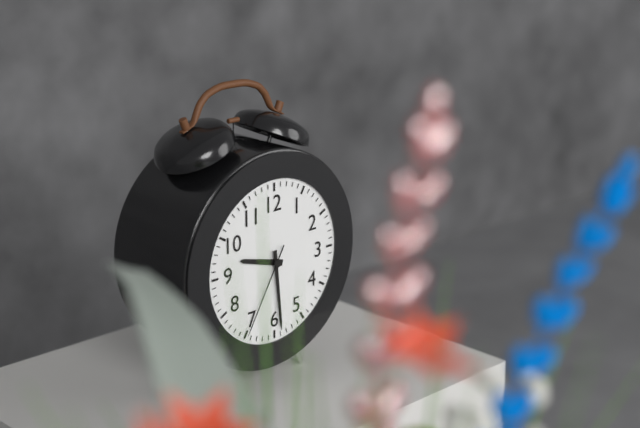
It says 9.29.35
